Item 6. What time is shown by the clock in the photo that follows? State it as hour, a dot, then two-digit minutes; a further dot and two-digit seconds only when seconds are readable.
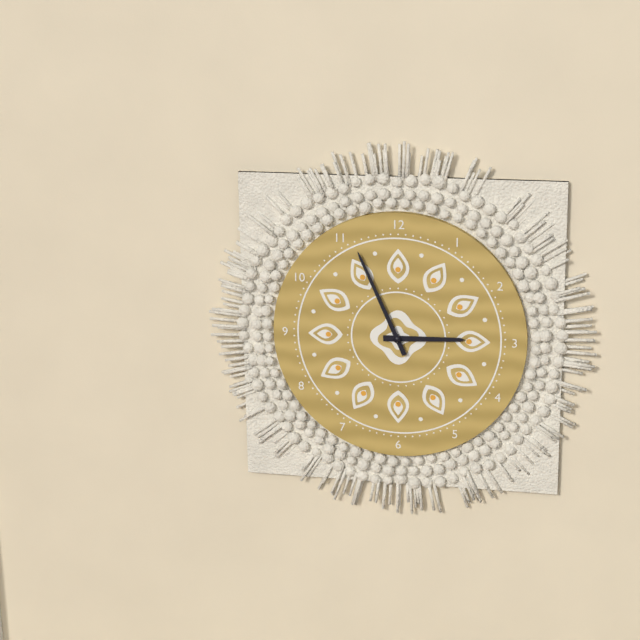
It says 2.56
